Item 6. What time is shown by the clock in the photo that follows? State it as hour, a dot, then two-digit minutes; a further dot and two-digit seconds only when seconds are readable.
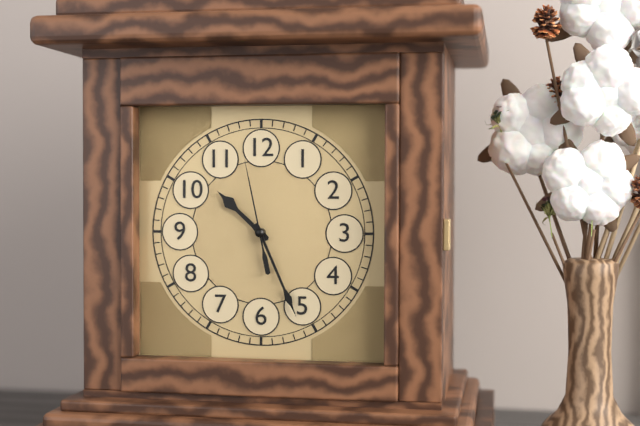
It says 10.26.58
